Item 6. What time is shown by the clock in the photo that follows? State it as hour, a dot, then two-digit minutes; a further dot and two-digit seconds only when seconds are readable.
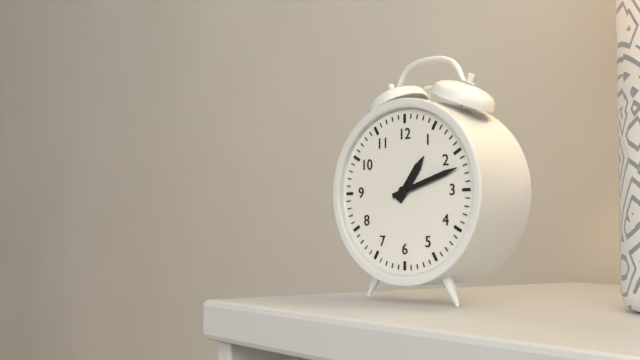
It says 1.12
